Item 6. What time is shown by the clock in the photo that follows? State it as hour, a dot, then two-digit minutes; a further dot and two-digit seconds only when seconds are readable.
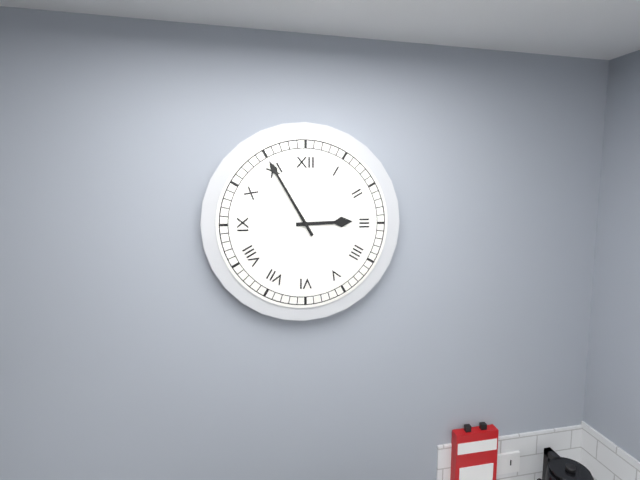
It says 2.55
